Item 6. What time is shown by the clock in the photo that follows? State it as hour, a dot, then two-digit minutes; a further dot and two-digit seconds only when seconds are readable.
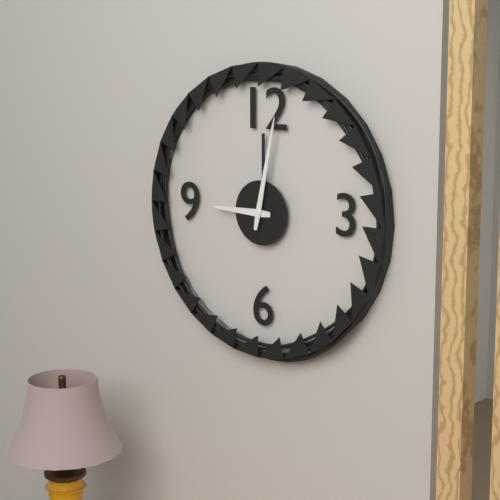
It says 9.02
